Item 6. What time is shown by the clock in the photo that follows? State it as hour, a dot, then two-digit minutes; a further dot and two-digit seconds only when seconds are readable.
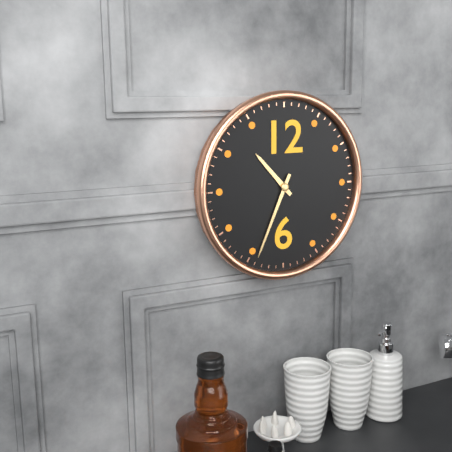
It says 10.34
